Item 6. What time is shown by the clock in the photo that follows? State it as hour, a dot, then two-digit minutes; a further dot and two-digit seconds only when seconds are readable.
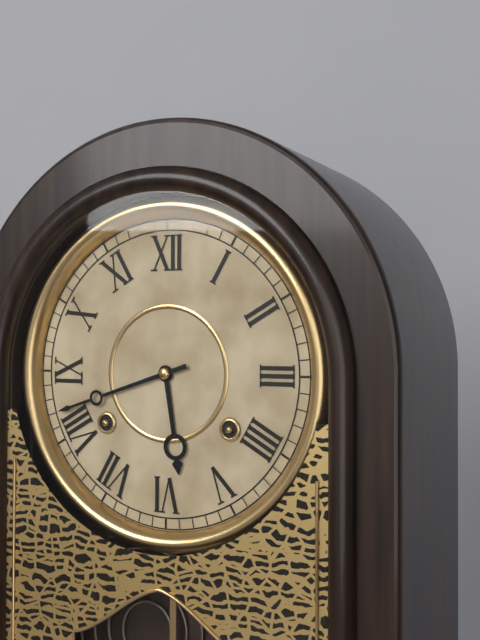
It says 5.42
